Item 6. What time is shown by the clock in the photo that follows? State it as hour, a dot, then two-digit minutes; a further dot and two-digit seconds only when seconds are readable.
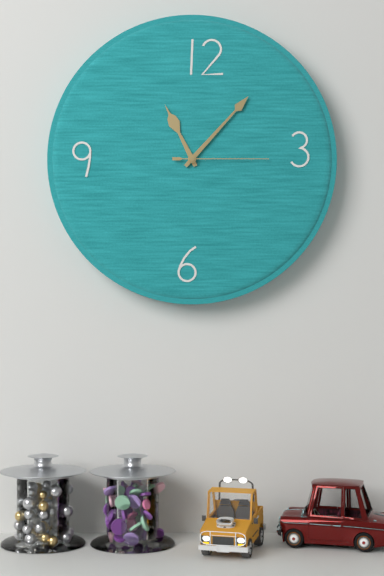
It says 11.07.15
